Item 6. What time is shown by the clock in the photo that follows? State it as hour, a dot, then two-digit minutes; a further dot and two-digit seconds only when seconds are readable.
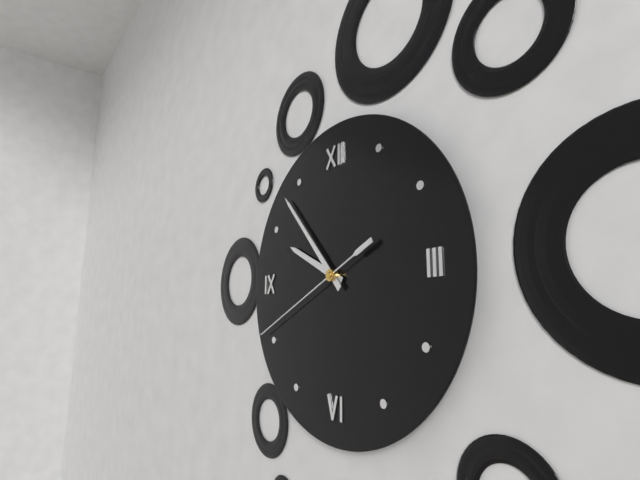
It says 9.53.41
